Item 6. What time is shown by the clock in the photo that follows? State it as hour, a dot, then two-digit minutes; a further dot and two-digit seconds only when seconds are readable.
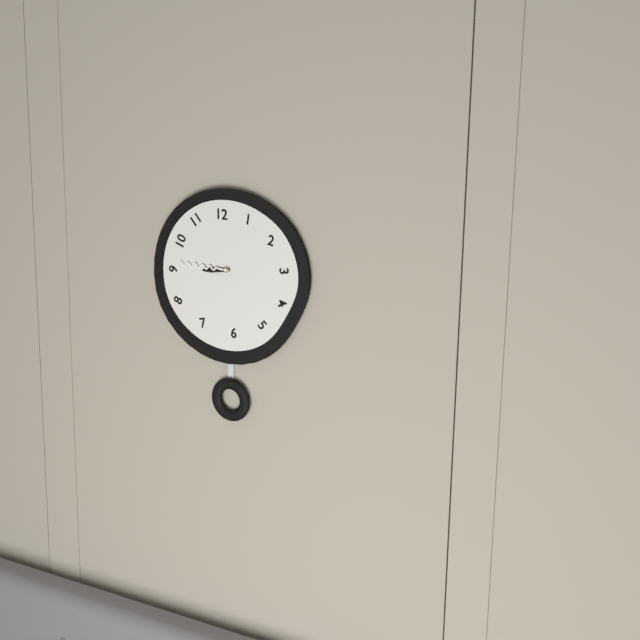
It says 8.45
